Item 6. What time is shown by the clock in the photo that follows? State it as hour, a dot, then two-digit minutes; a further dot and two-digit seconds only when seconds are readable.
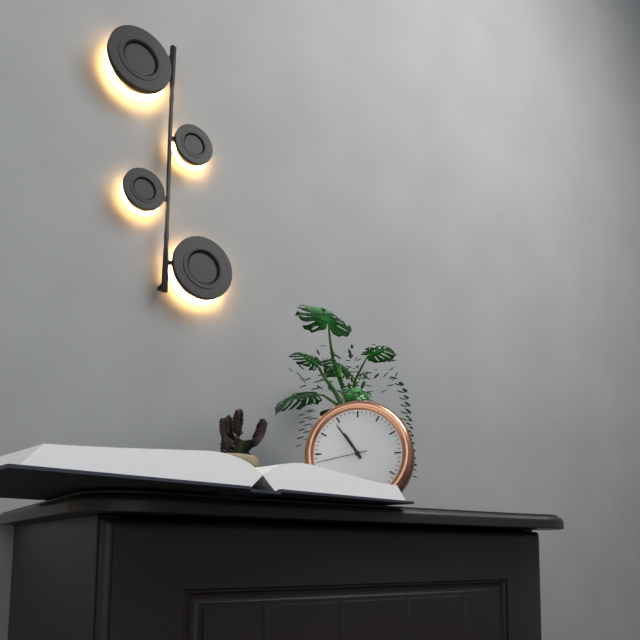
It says 10.54.43
